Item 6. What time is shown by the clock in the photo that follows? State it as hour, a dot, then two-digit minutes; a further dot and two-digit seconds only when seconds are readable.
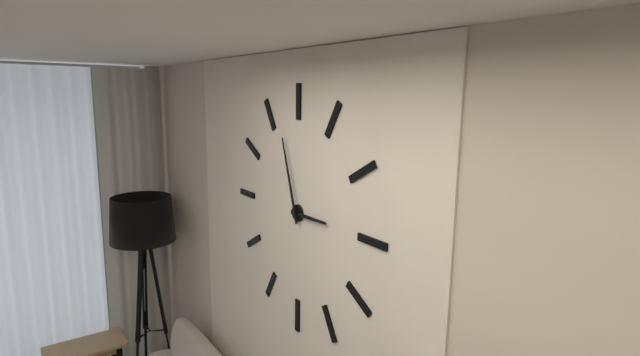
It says 2.57
